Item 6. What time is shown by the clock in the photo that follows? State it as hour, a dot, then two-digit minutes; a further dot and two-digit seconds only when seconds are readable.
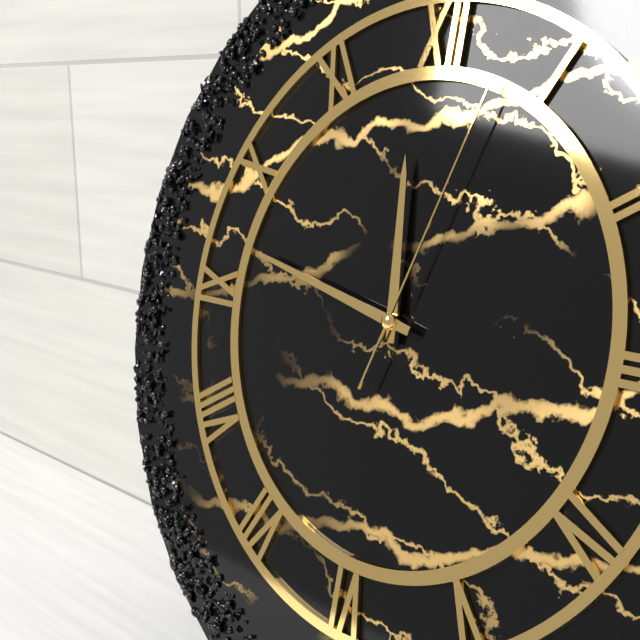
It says 11.47.03
